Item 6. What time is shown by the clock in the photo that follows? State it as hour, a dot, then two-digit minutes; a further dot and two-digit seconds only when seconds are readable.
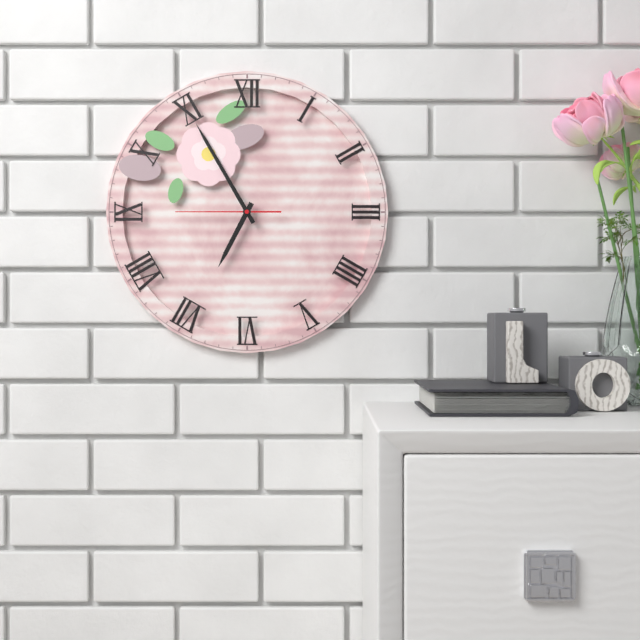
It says 6.55.45
